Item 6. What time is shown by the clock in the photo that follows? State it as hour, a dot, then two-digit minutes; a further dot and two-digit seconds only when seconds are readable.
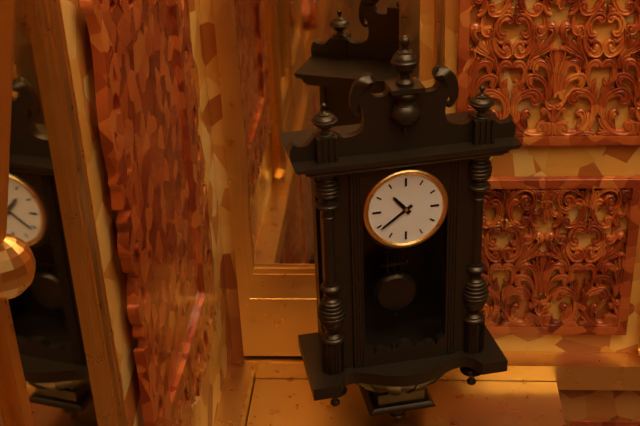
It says 10.39
